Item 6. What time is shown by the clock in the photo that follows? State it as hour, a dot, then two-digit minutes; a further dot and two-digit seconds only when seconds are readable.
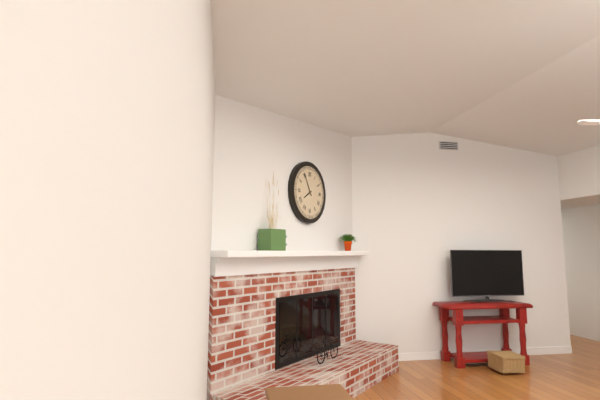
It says 7.55
